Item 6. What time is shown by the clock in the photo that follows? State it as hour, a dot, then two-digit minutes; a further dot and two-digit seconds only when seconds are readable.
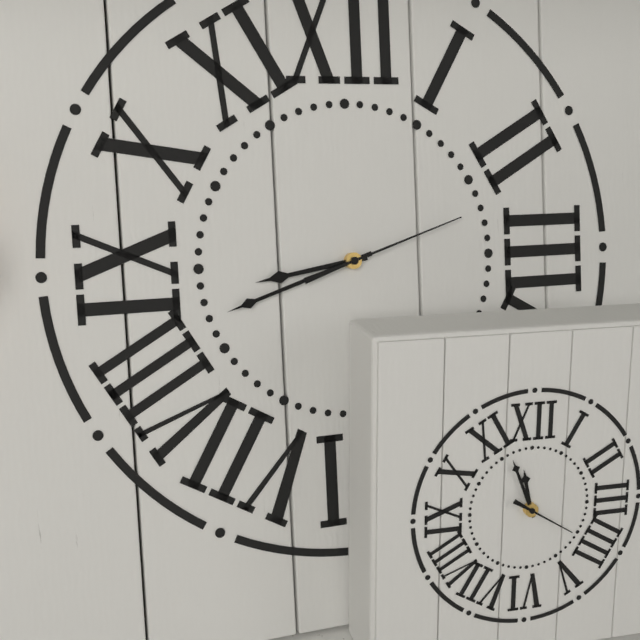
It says 8.42.12
